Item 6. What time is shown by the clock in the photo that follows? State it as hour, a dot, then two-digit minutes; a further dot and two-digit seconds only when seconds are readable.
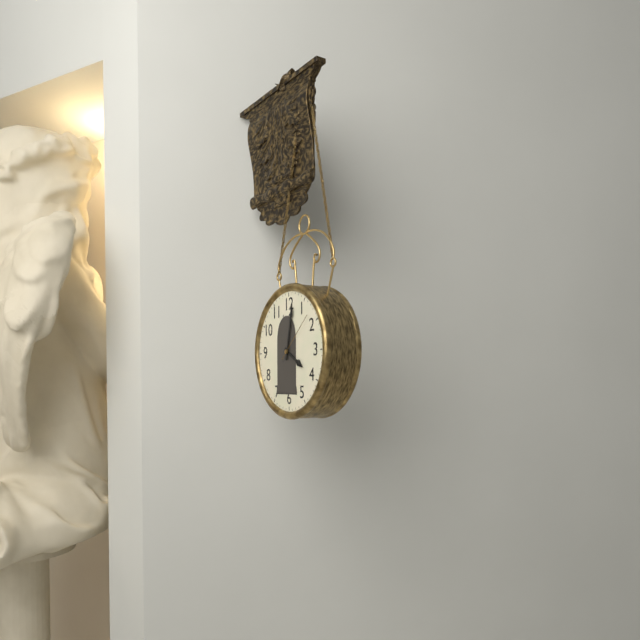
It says 4.02.08
